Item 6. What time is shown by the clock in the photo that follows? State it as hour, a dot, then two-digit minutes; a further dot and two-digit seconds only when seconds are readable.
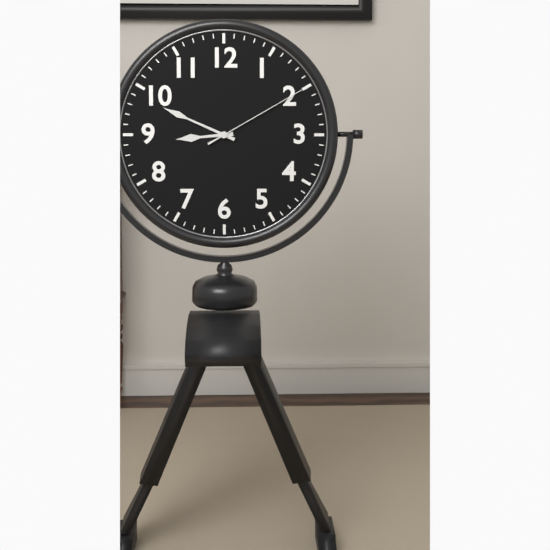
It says 8.49.10
